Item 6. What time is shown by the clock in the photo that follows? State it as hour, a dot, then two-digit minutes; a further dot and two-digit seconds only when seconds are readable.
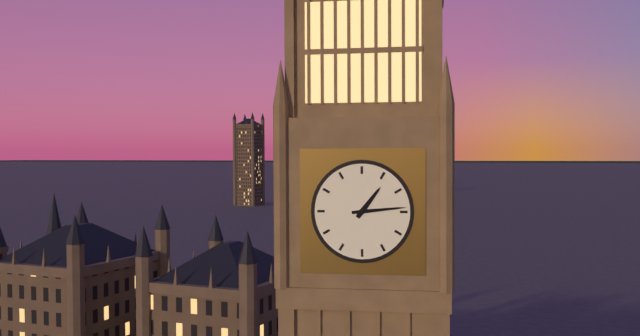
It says 1.14
